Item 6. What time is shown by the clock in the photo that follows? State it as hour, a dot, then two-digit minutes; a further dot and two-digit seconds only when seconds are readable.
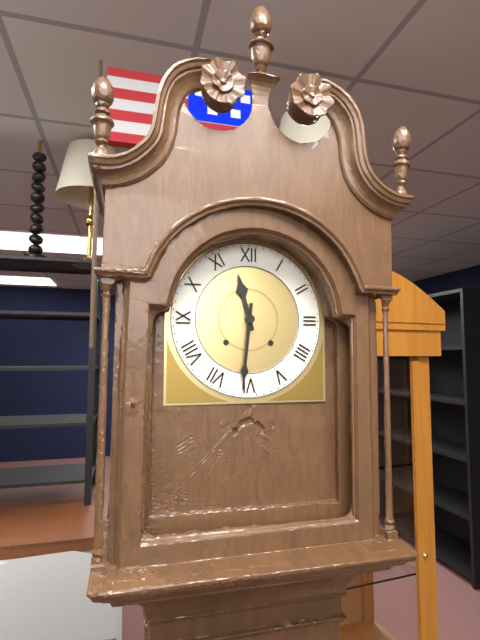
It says 11.31
